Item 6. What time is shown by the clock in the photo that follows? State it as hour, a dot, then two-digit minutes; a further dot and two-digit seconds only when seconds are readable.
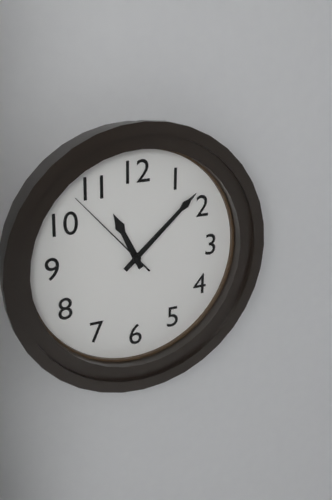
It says 11.08.53
